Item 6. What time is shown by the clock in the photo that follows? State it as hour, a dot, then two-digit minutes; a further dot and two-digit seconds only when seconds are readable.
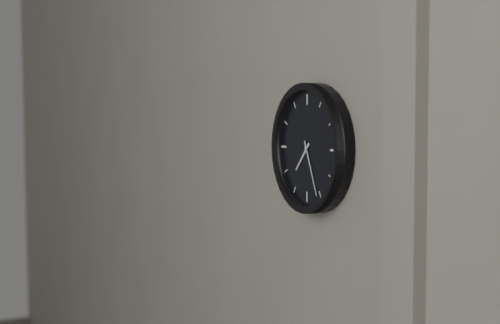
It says 7.26
